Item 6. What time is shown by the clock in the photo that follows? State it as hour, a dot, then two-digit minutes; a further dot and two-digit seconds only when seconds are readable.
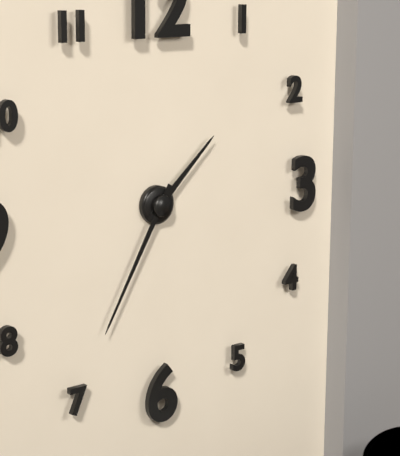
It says 1.35
